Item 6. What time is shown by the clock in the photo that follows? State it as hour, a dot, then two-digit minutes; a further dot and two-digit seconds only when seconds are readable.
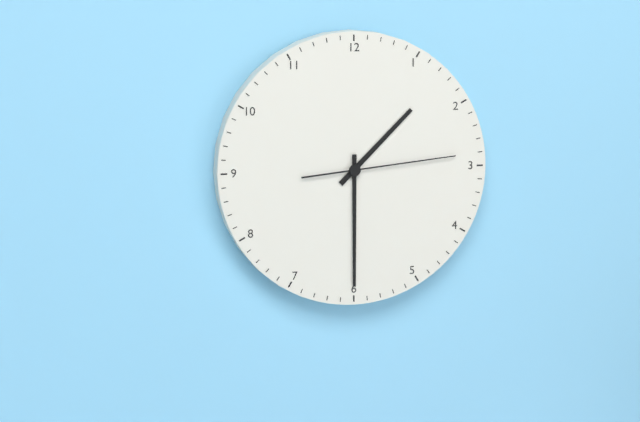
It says 1.30.14
